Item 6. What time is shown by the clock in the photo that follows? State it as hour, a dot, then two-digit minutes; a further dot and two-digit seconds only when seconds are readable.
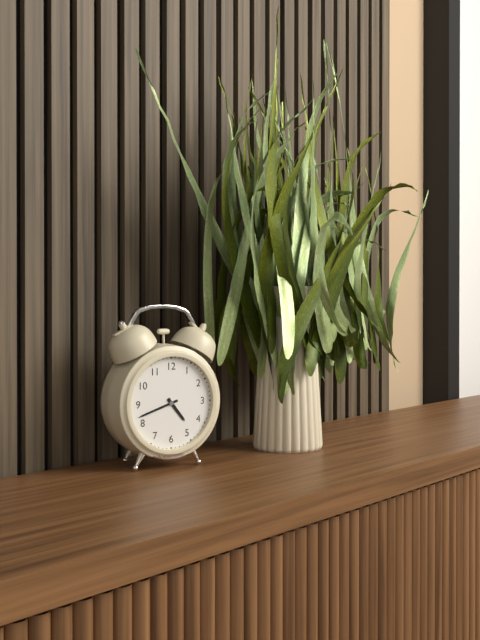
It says 4.42
